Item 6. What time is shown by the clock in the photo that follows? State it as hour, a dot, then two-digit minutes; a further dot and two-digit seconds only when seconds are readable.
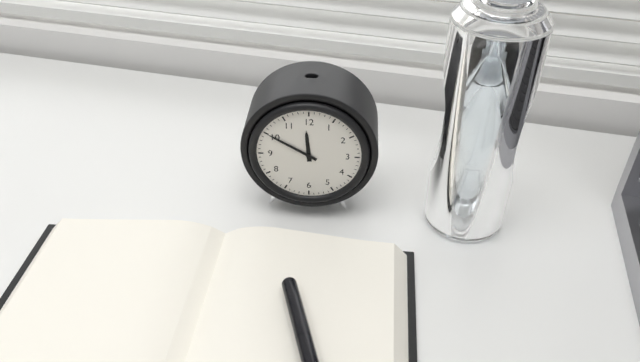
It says 11.50
